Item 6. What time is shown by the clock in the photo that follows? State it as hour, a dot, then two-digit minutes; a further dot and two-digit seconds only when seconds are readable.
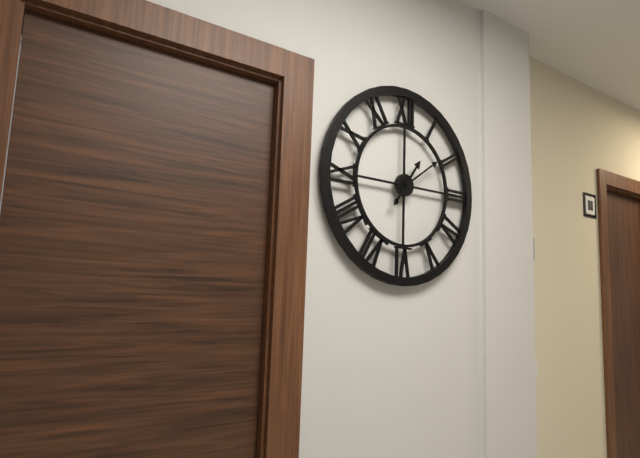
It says 1.09
